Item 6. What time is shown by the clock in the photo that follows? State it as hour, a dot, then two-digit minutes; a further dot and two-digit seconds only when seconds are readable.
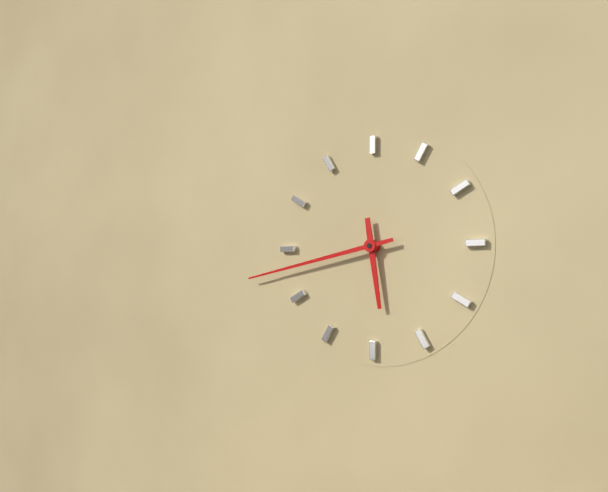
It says 5.43
